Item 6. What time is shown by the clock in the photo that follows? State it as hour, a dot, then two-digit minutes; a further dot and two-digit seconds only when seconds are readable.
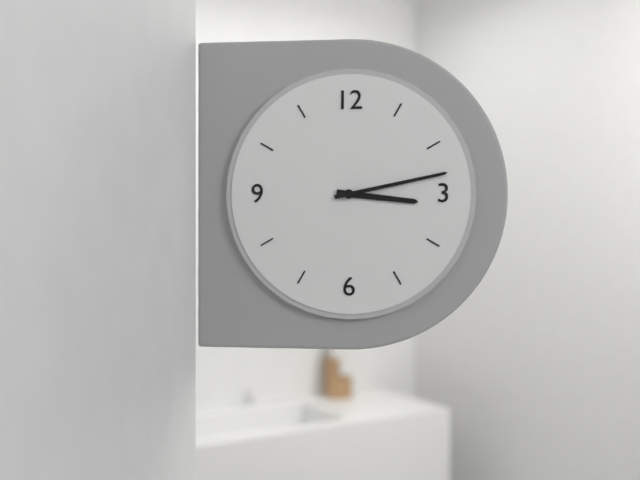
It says 3.13
